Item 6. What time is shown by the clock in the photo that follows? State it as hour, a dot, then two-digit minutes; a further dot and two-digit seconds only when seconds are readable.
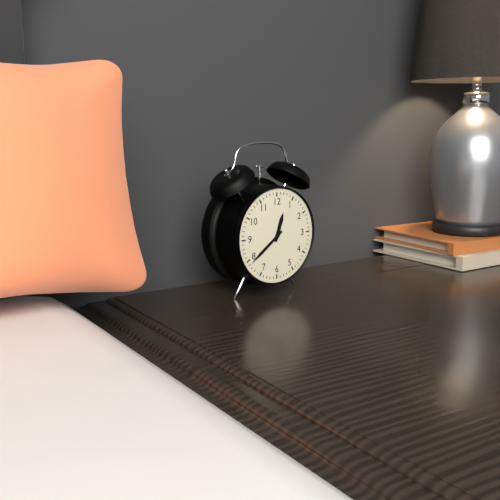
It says 12.39
